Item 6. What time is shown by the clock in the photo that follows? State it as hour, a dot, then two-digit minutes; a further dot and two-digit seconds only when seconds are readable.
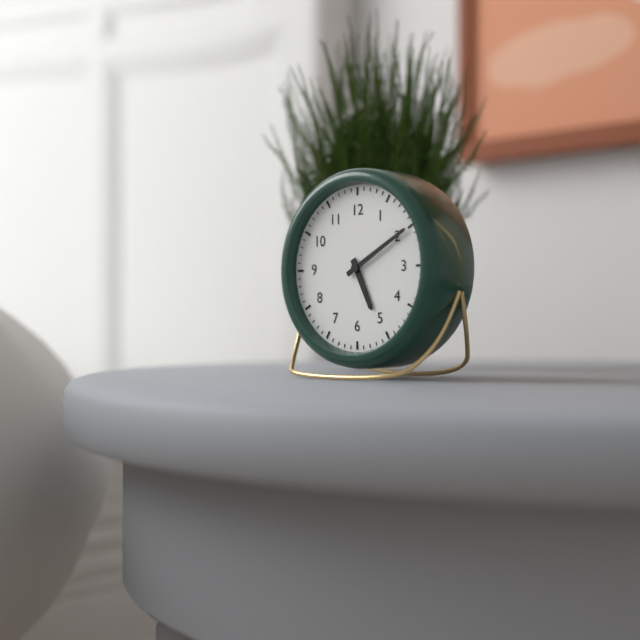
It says 5.10
